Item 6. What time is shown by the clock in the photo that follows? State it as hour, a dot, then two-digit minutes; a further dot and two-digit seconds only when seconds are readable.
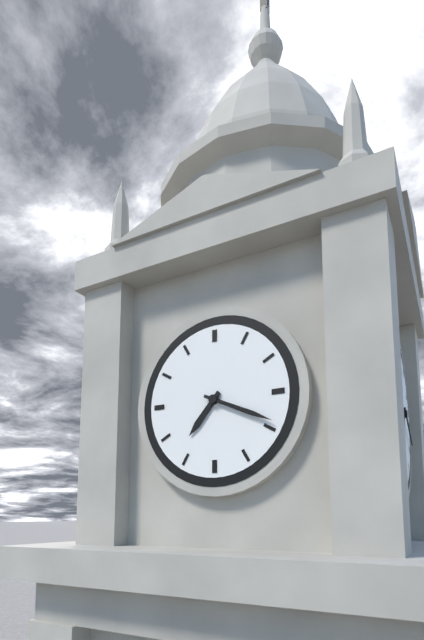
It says 7.19
